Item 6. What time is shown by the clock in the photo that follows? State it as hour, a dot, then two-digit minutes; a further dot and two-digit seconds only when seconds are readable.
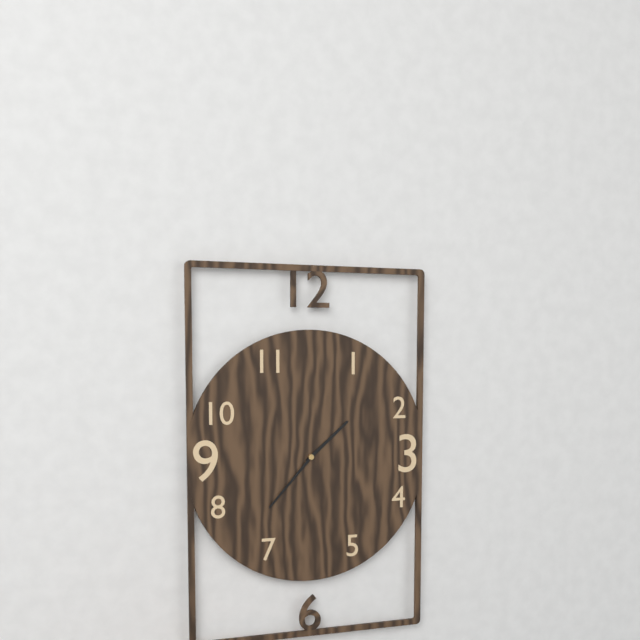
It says 1.37
